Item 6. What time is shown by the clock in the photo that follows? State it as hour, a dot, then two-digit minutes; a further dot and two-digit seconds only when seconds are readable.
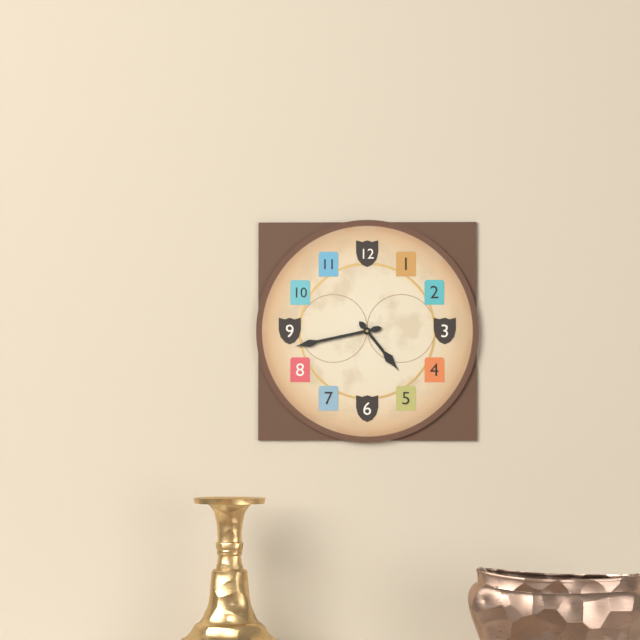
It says 4.43
